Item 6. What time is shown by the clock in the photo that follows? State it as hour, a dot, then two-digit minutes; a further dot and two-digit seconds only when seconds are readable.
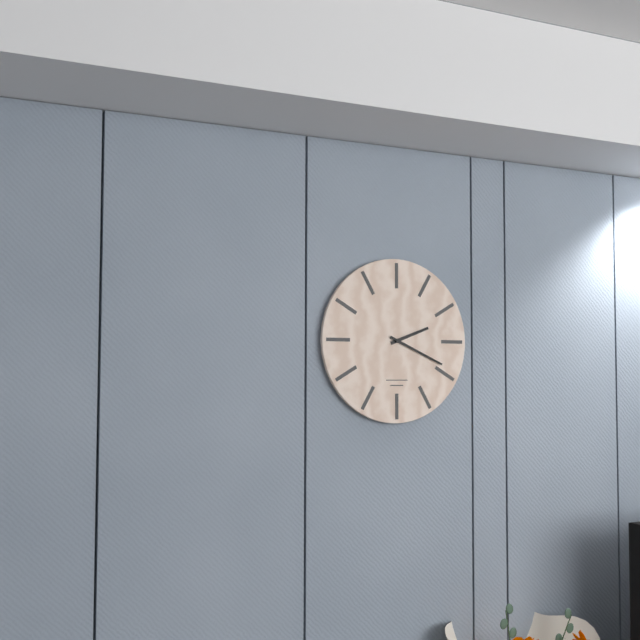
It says 2.19
